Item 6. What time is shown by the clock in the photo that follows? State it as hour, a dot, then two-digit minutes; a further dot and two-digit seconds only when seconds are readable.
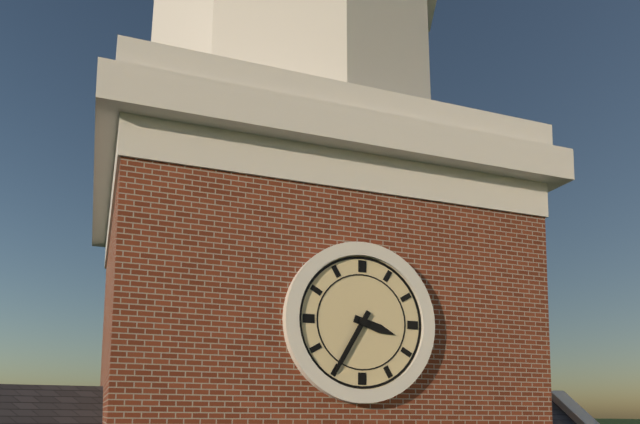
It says 3.35
